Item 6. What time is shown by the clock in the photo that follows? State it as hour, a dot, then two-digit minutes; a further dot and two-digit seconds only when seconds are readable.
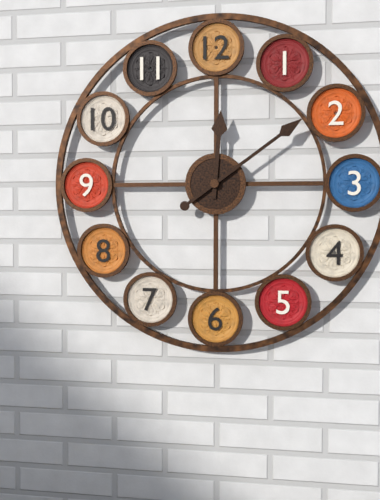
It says 12.09
